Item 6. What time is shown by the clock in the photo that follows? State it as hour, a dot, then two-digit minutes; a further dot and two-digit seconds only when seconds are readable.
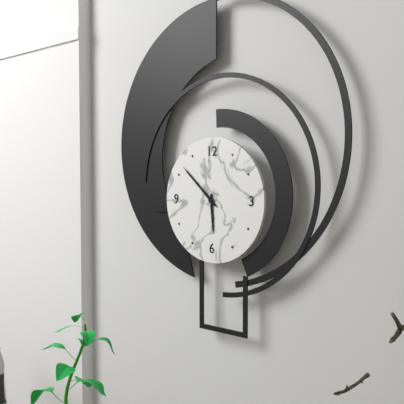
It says 5.52
